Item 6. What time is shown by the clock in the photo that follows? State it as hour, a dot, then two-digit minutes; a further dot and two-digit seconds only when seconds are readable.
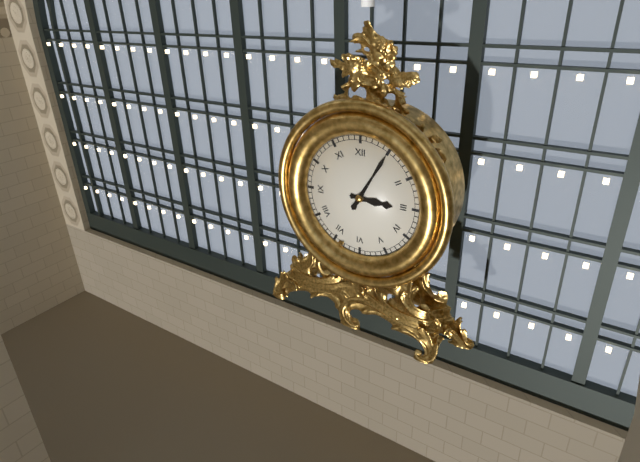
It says 3.05
